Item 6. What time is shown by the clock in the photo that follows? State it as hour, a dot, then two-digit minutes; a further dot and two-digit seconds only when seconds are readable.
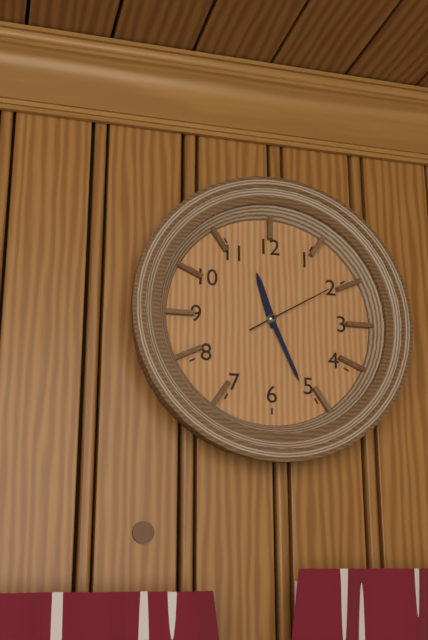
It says 11.26.10
